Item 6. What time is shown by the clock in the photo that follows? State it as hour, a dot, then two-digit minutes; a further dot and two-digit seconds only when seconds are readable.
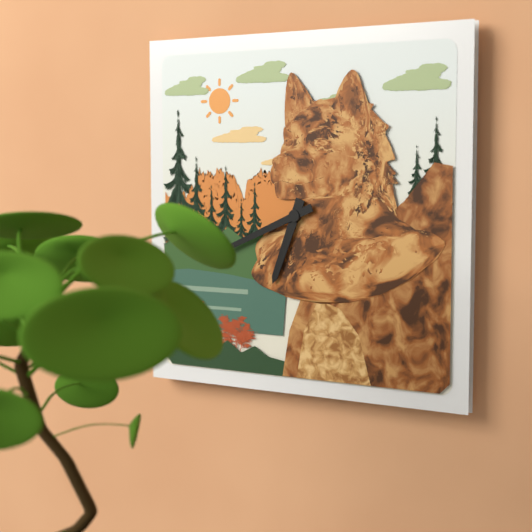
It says 6.41
